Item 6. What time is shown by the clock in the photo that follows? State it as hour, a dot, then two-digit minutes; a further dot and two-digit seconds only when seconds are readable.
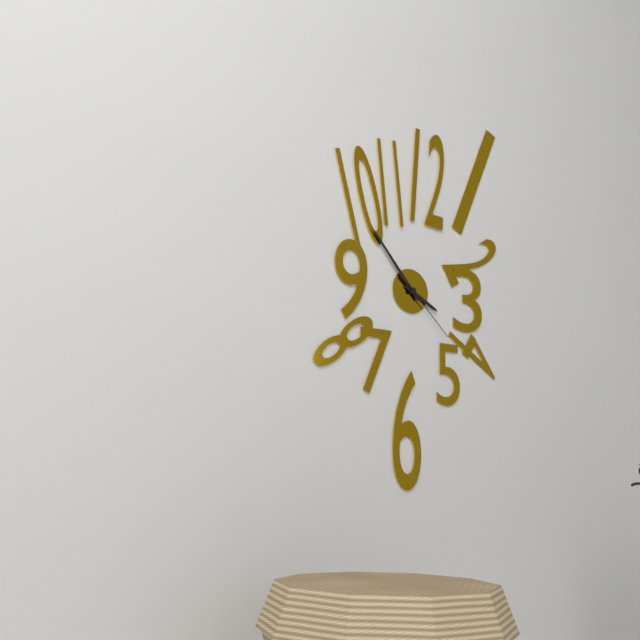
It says 3.53.22
